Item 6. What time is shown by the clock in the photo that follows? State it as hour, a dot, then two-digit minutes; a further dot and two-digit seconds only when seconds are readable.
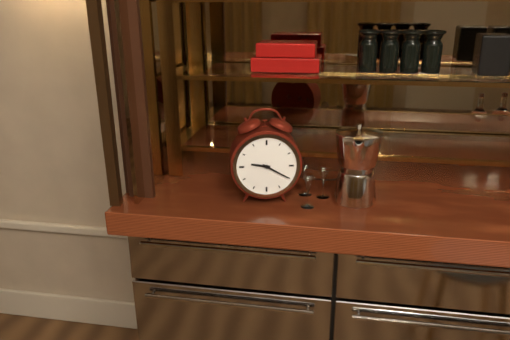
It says 9.20
